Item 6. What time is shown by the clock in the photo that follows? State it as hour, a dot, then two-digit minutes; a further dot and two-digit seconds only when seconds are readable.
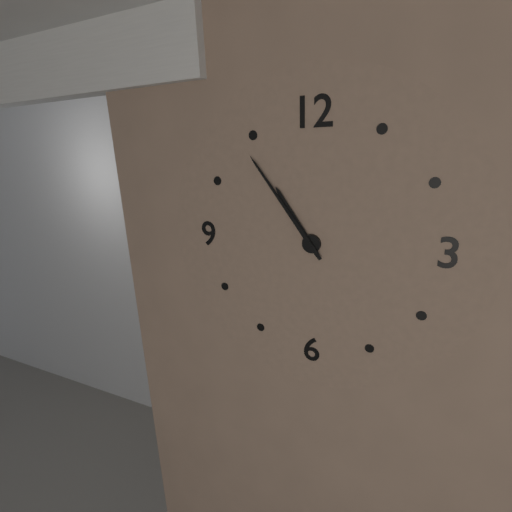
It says 10.54
